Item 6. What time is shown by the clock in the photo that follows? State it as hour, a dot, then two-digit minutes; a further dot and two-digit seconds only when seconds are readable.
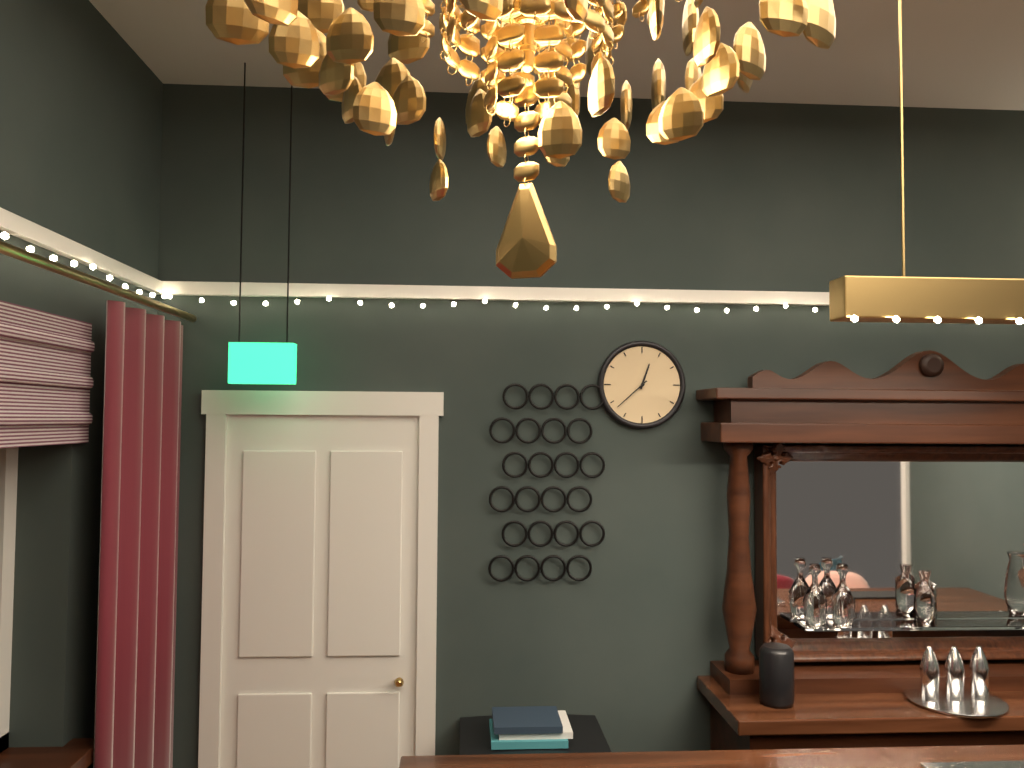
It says 12.38
